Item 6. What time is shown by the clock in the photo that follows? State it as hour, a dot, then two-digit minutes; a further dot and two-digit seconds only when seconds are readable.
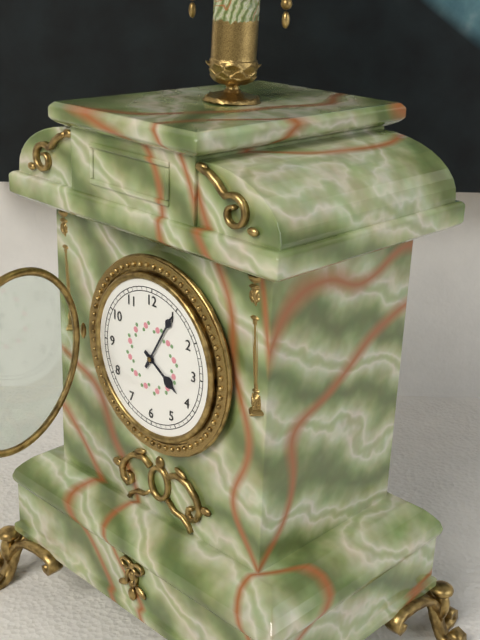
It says 4.05
